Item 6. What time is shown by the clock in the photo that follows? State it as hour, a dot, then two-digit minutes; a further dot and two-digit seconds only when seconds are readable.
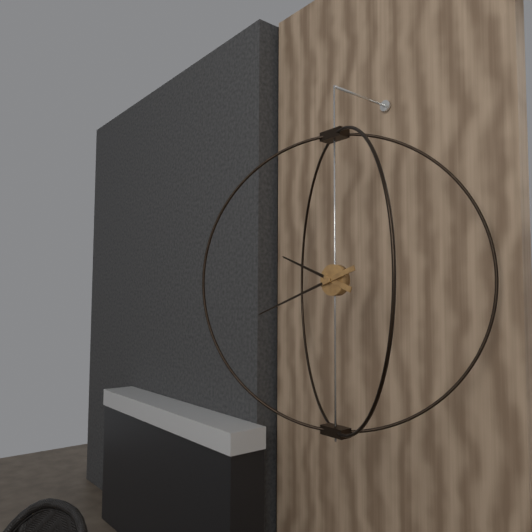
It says 9.42
